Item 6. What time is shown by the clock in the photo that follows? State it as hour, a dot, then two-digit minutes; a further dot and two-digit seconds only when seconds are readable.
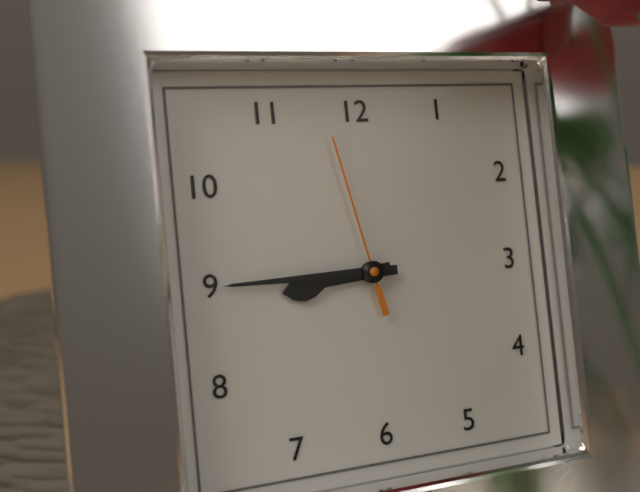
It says 8.45.58
